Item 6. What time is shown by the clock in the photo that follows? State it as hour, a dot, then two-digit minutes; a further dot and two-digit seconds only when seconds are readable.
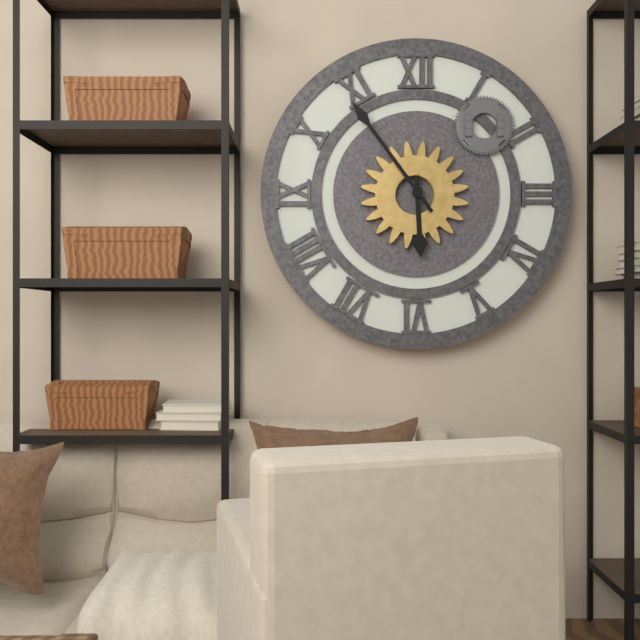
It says 5.54
